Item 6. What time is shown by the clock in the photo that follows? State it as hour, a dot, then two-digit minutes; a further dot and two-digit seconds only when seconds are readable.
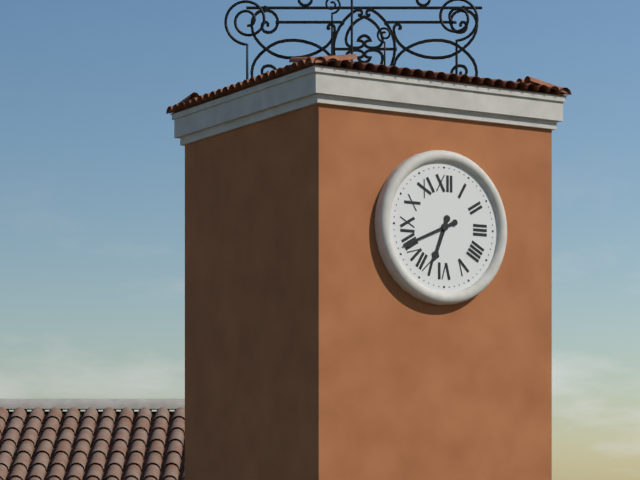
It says 6.41
